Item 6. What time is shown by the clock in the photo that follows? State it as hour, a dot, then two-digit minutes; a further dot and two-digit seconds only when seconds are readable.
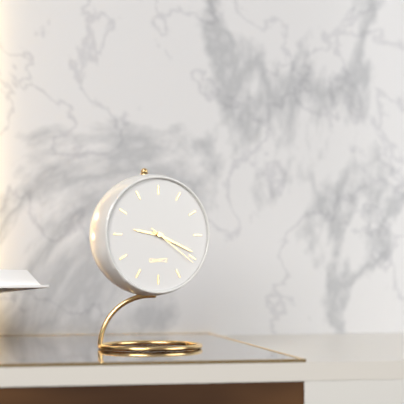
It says 9.19.21
